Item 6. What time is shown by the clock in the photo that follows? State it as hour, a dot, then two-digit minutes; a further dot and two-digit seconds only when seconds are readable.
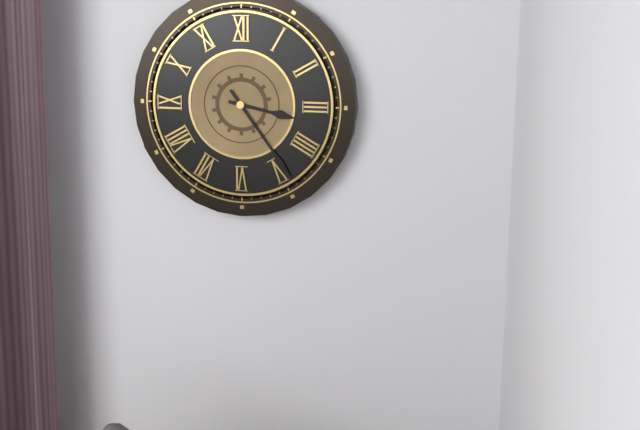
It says 3.24
